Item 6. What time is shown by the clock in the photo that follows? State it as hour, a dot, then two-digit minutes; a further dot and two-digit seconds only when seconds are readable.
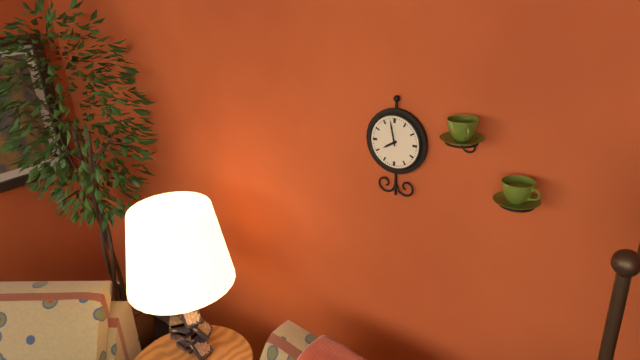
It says 7.58
